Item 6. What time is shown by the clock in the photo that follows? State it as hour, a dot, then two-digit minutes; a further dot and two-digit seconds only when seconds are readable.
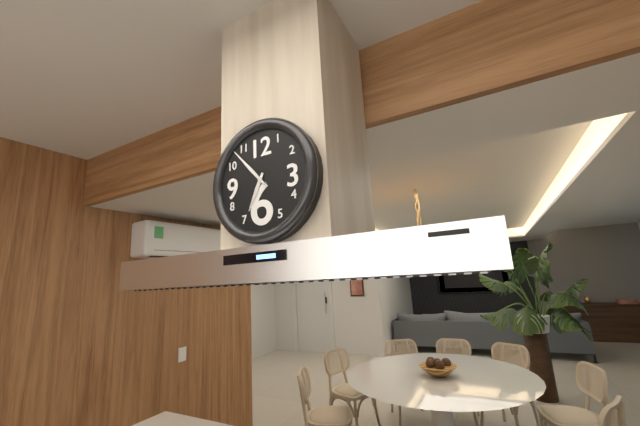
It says 6.53
